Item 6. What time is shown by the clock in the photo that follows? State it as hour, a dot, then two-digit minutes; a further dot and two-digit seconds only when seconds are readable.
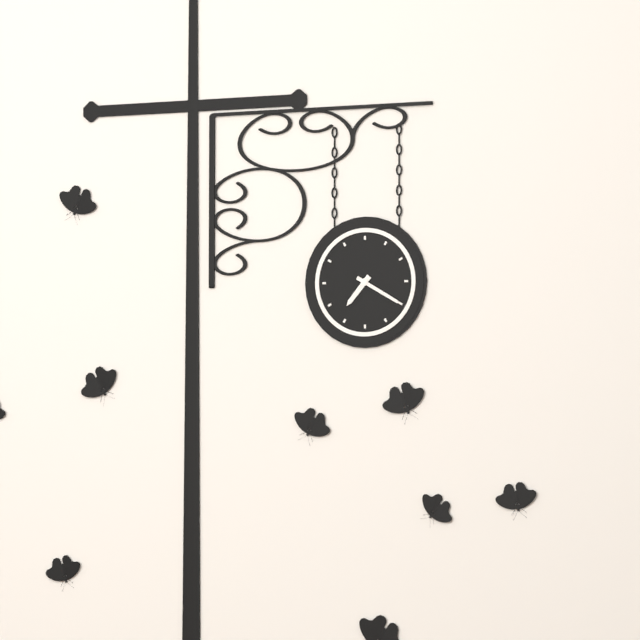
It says 7.20
